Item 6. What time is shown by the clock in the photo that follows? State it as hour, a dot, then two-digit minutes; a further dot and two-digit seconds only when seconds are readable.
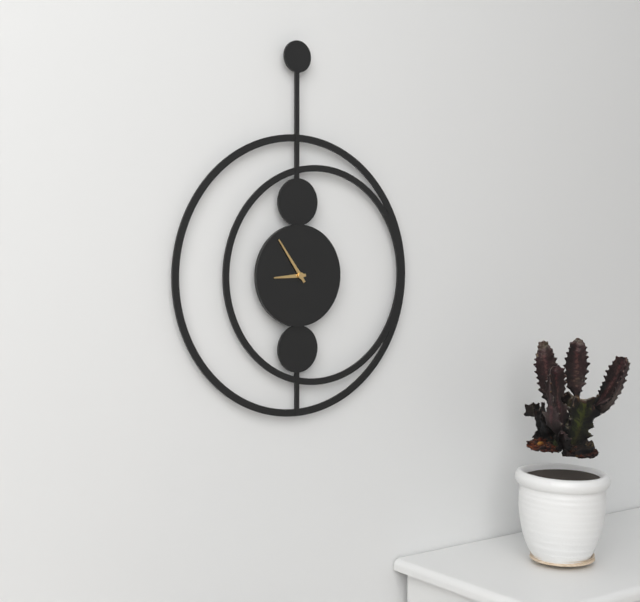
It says 8.54
